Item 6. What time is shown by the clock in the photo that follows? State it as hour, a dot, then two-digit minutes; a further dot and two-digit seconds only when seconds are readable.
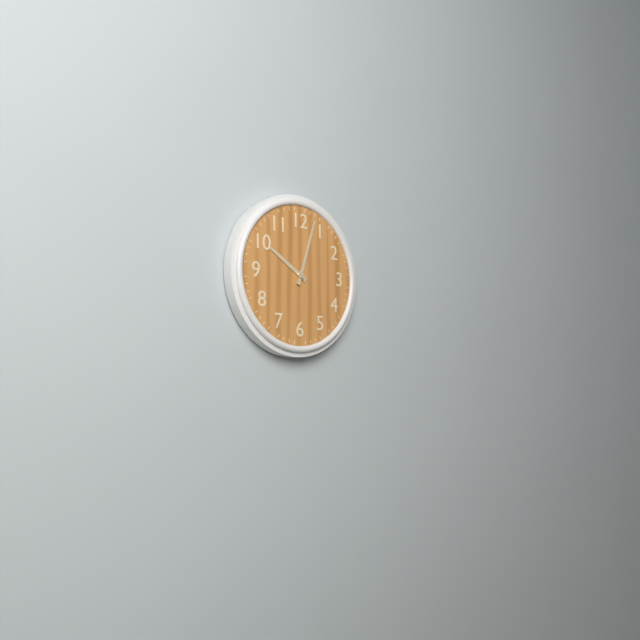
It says 10.03
